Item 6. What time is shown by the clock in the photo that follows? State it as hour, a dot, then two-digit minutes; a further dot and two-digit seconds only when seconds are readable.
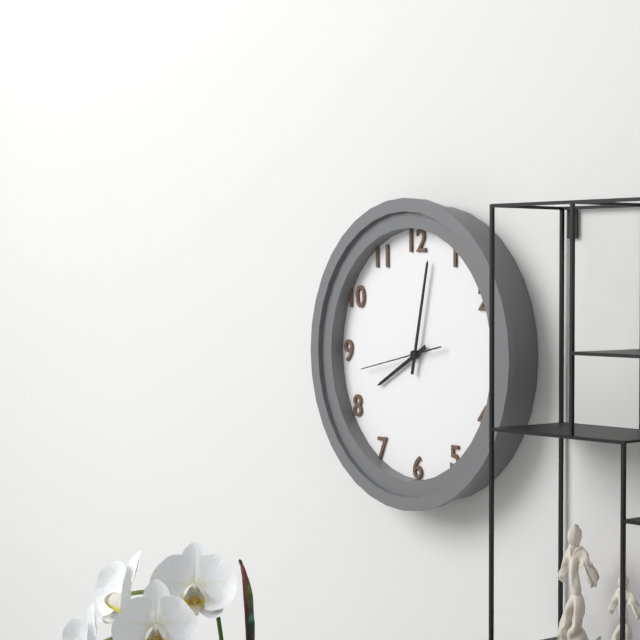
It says 8.02.43
